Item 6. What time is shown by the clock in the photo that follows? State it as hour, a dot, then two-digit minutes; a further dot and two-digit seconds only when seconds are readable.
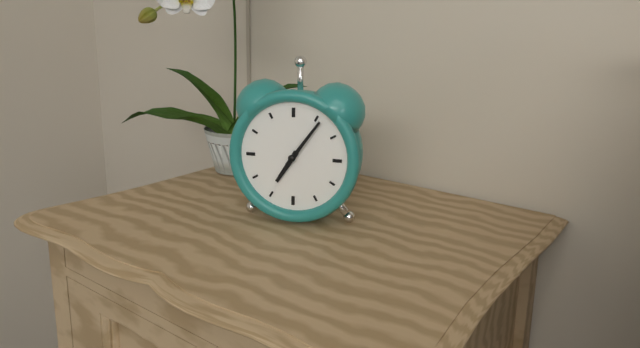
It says 7.06
